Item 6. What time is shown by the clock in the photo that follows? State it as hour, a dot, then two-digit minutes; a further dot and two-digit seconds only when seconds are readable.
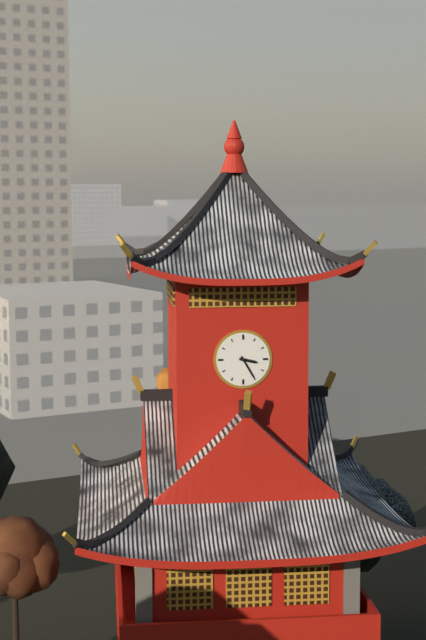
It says 3.25
